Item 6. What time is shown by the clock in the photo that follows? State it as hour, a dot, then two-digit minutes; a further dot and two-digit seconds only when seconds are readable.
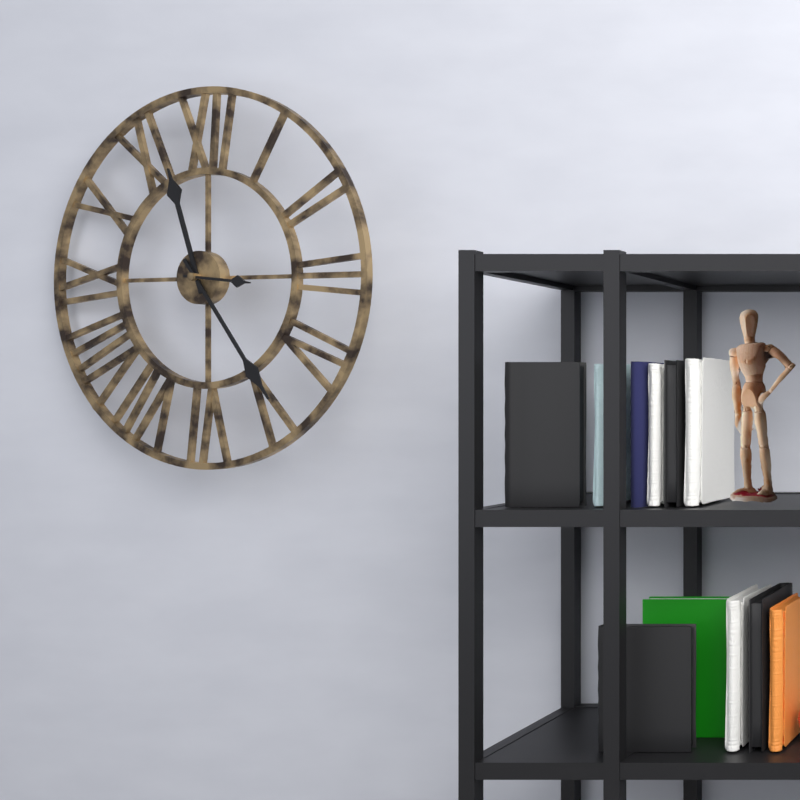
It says 11.24.16
